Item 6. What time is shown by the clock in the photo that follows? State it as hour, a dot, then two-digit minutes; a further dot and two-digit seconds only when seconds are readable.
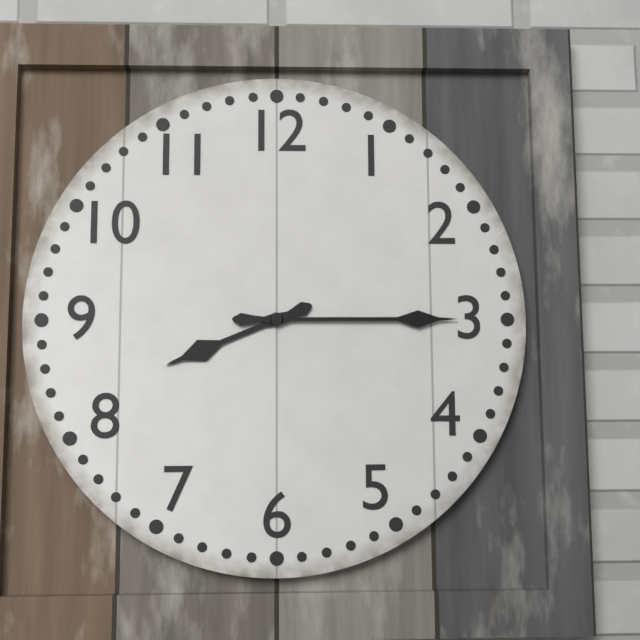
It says 8.15
